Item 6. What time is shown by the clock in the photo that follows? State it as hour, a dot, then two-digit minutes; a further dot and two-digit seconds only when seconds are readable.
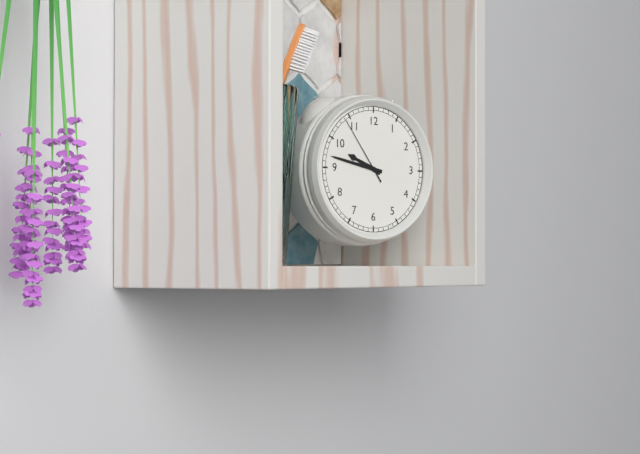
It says 9.47.54
